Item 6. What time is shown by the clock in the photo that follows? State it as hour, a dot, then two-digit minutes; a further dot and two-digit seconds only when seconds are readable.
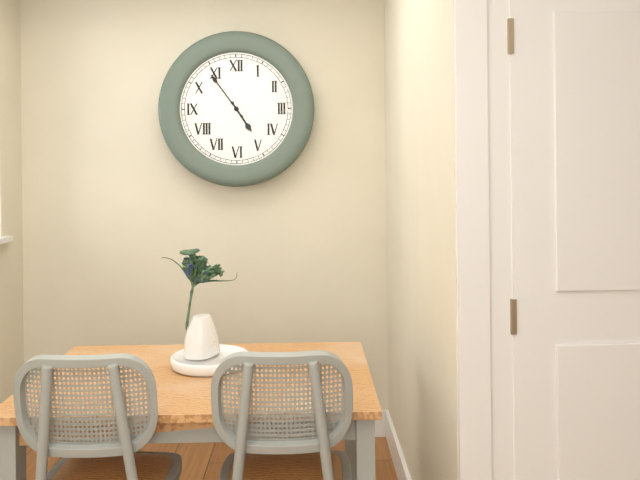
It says 4.54
